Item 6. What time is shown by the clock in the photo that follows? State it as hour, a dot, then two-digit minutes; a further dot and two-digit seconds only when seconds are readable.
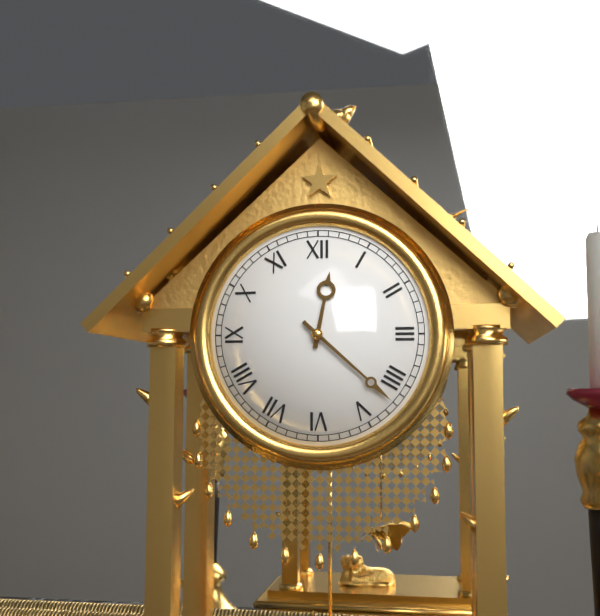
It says 12.22
